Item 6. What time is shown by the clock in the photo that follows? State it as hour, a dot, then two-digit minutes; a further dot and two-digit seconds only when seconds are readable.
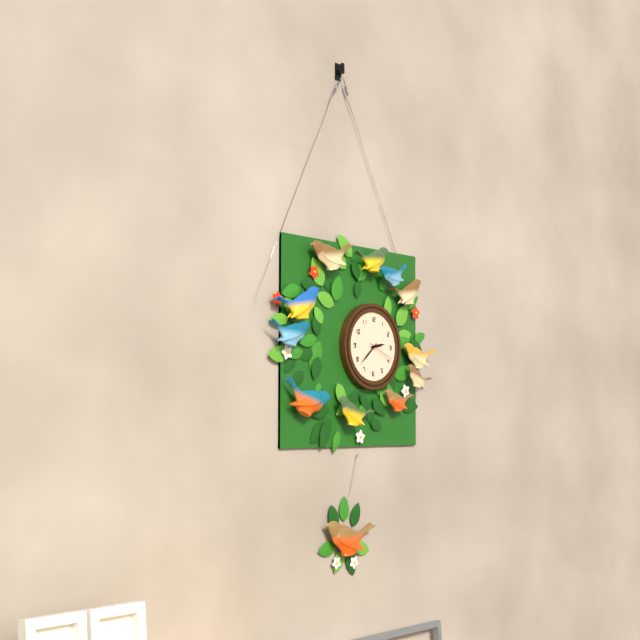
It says 2.38
